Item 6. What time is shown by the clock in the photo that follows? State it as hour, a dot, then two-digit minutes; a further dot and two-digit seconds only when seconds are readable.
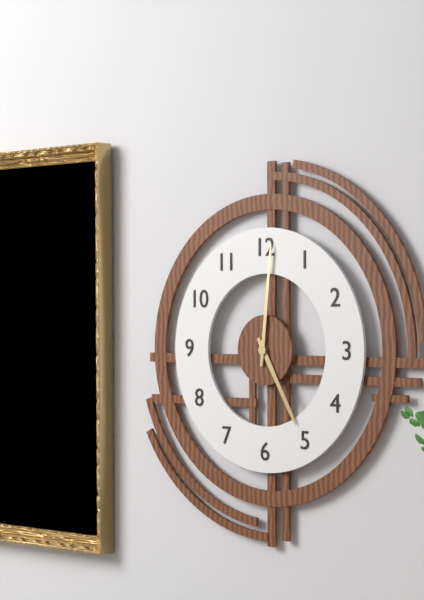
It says 5.01
